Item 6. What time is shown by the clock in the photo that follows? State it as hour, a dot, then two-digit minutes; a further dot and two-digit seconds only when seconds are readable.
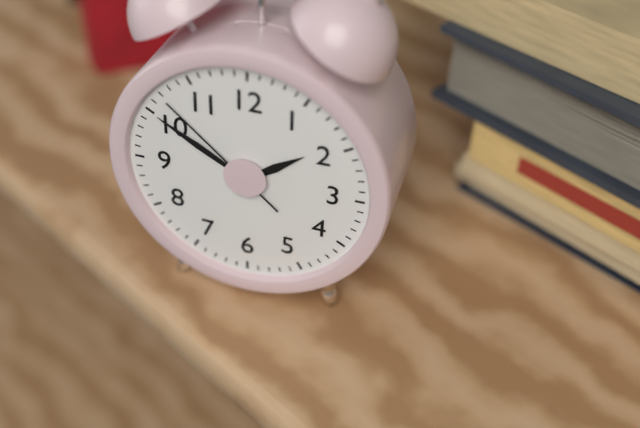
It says 1.50.52
